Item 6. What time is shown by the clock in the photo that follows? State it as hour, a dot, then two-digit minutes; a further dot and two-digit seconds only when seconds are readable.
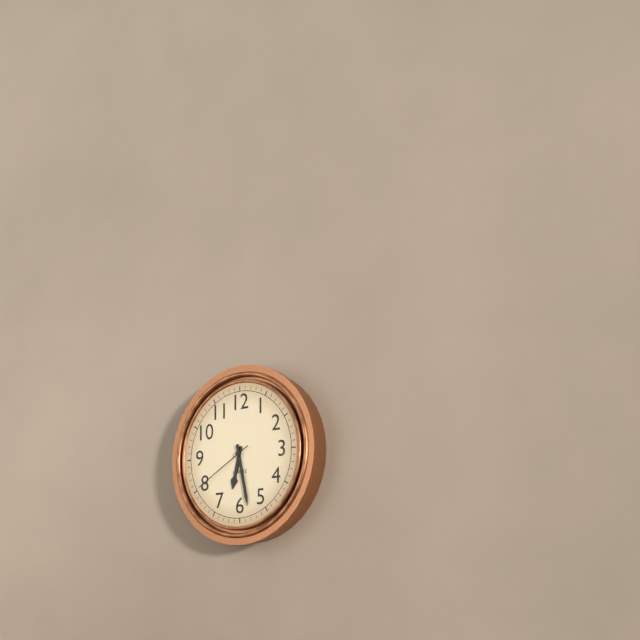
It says 6.28.40
